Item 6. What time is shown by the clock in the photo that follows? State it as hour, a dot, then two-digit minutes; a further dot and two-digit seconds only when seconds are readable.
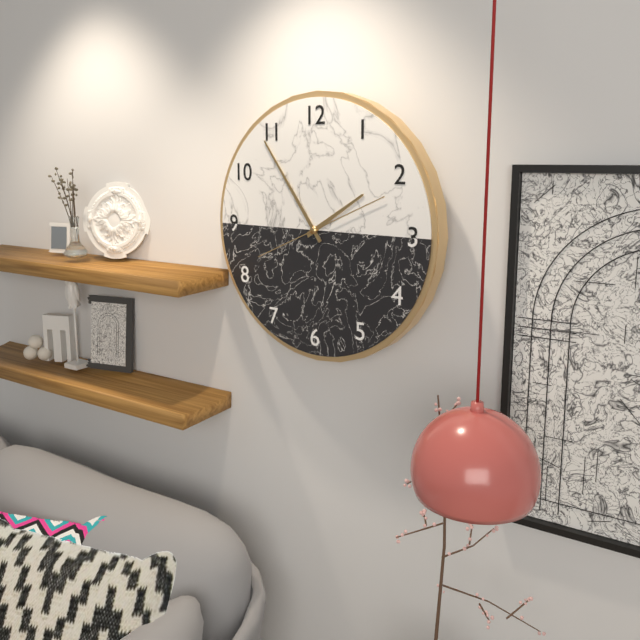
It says 1.54.11
